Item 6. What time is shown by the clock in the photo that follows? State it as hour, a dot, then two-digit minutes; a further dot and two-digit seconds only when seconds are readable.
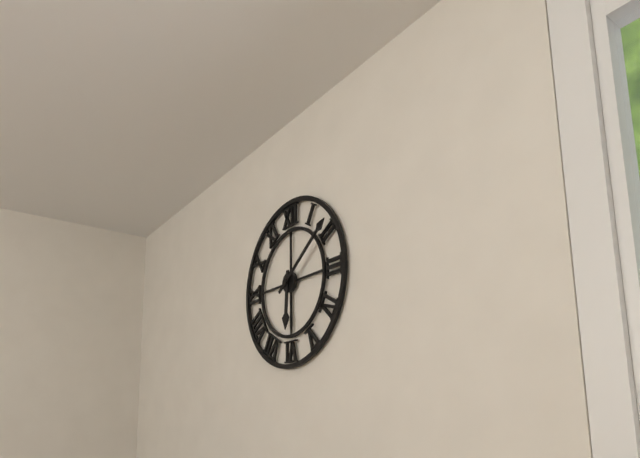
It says 6.09
